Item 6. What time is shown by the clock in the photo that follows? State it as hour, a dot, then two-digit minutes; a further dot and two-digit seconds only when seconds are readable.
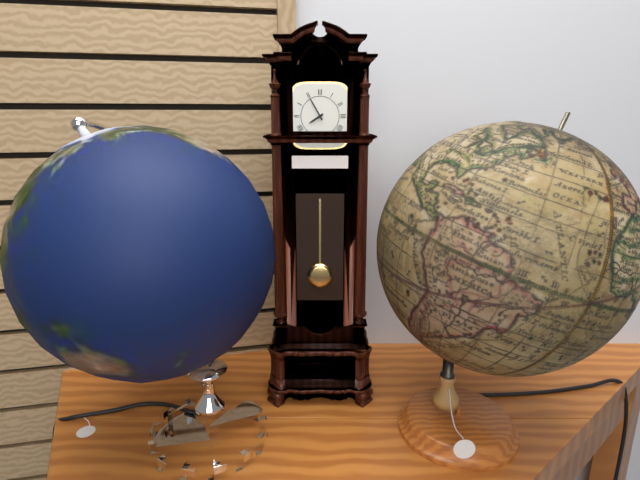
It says 7.55
